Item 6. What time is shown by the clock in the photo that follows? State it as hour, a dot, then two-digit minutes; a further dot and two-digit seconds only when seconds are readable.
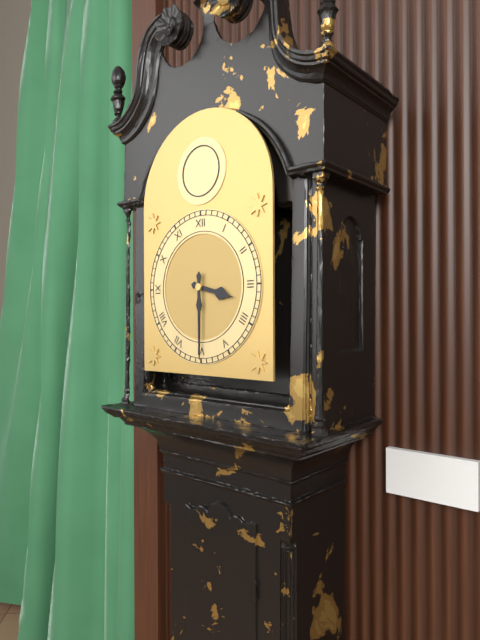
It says 3.30
